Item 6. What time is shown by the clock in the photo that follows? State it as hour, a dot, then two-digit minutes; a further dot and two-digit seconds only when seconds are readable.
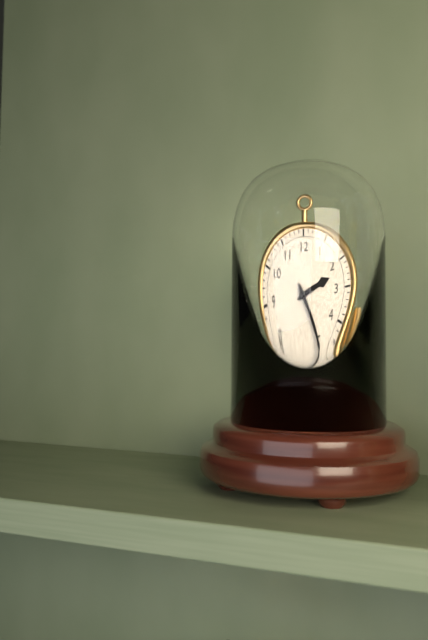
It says 2.25
